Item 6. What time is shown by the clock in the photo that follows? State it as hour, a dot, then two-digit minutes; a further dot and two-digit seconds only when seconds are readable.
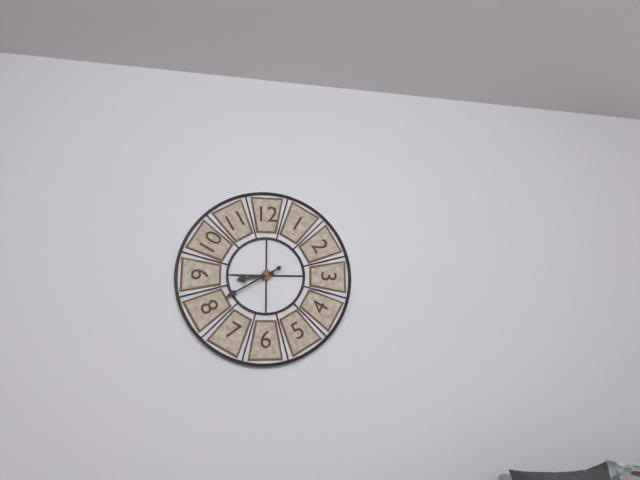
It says 8.40
